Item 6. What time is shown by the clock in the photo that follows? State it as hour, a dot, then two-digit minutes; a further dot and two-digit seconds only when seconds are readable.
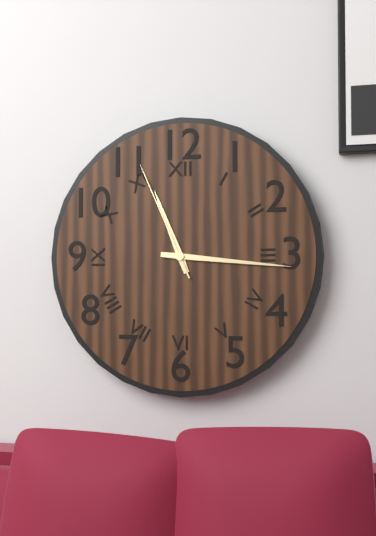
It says 11.16.56
